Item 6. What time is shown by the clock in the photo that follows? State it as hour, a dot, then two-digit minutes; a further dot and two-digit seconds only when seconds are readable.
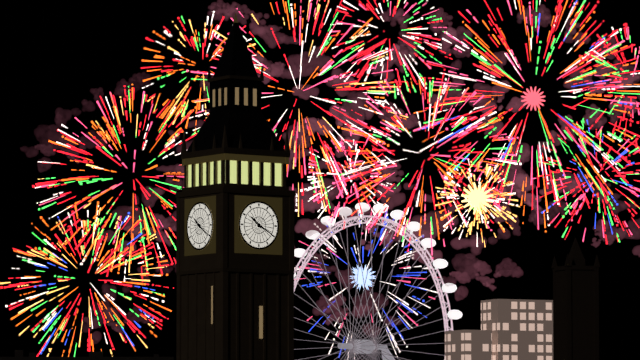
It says 10.20
